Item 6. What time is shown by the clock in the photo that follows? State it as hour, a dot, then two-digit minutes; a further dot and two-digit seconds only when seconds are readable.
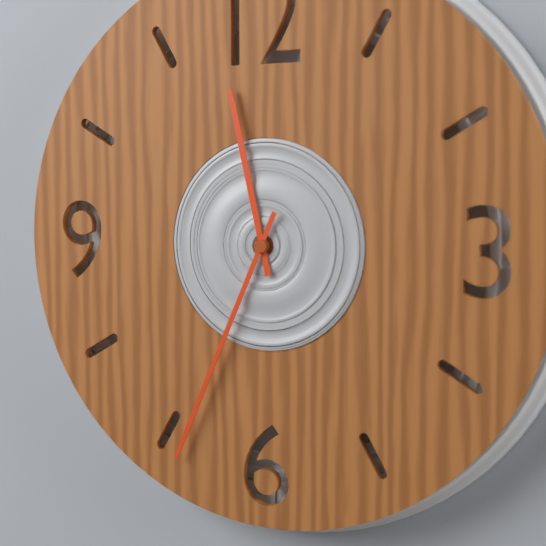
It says 11.34
